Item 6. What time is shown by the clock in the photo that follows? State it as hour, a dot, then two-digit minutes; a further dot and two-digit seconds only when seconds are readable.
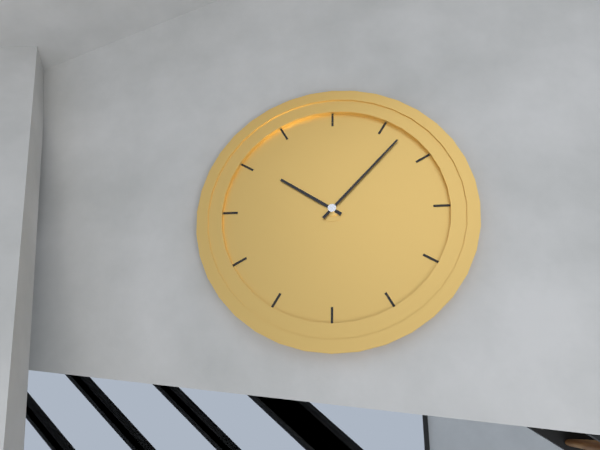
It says 10.07
